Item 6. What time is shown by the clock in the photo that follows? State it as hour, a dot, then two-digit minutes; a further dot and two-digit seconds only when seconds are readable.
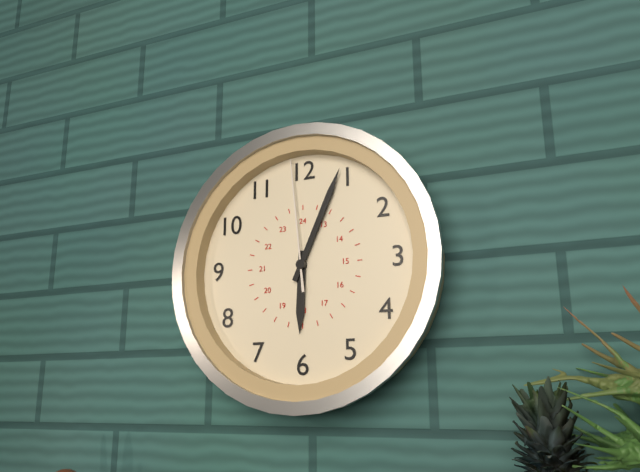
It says 6.04.59
